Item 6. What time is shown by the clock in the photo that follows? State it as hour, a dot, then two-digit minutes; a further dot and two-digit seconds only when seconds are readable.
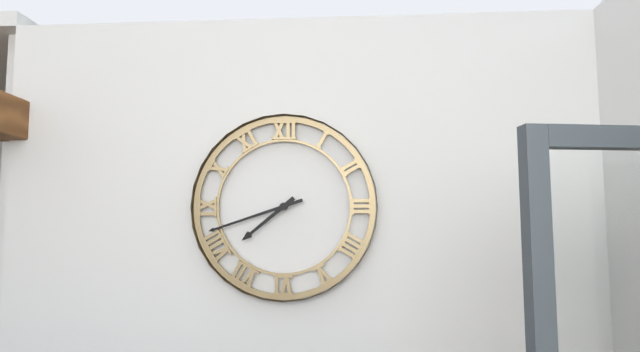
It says 7.42
